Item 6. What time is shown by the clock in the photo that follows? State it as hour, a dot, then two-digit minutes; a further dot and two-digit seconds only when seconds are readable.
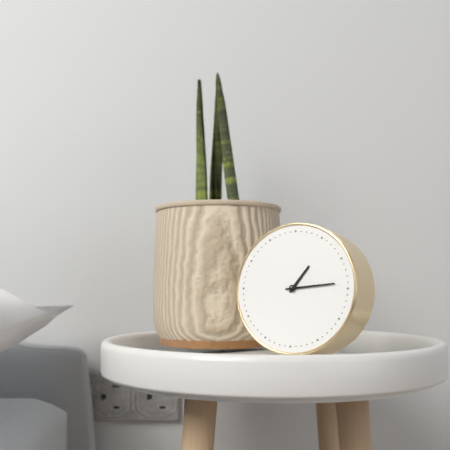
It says 1.14
